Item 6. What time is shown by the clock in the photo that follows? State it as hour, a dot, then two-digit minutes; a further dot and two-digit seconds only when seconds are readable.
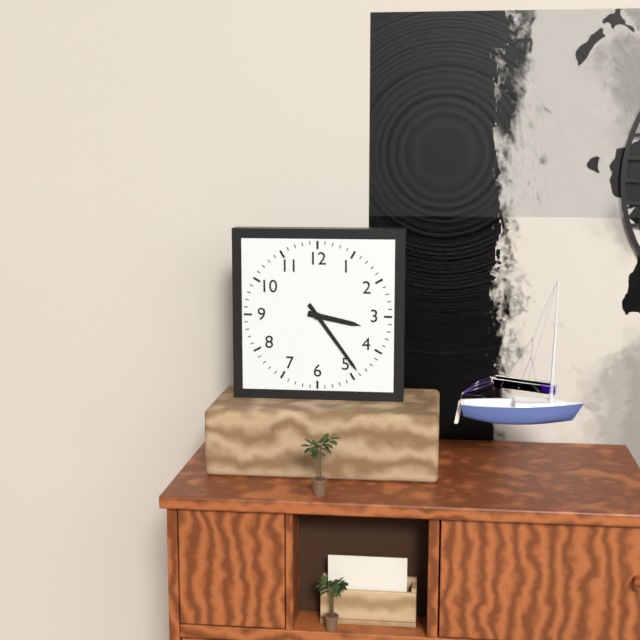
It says 3.24
